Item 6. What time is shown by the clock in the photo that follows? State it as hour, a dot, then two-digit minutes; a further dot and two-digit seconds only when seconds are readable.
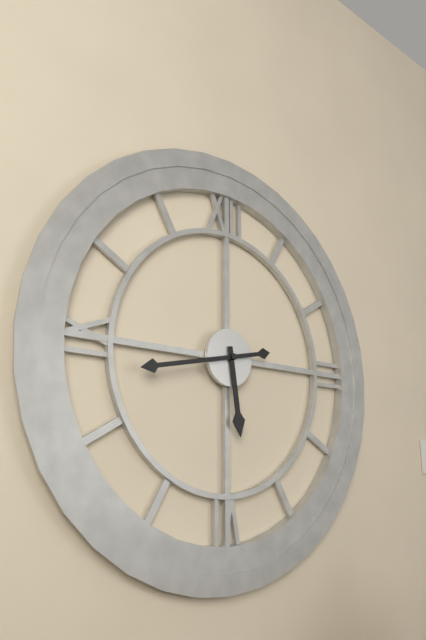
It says 5.43
